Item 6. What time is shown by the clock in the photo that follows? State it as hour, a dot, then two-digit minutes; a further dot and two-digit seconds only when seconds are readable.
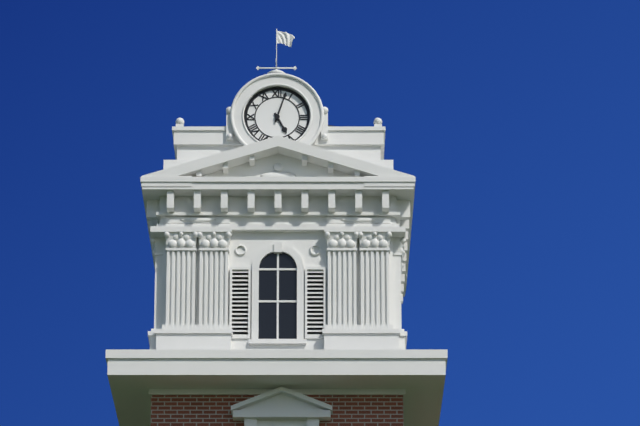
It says 5.03
